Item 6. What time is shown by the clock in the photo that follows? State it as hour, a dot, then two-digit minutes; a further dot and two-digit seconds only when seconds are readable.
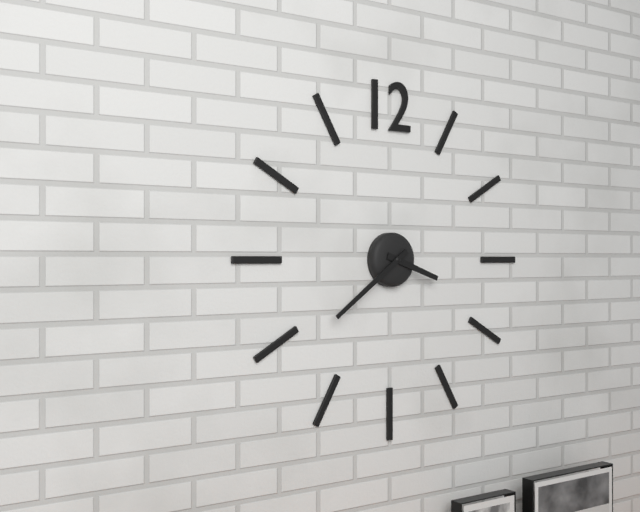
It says 3.39
